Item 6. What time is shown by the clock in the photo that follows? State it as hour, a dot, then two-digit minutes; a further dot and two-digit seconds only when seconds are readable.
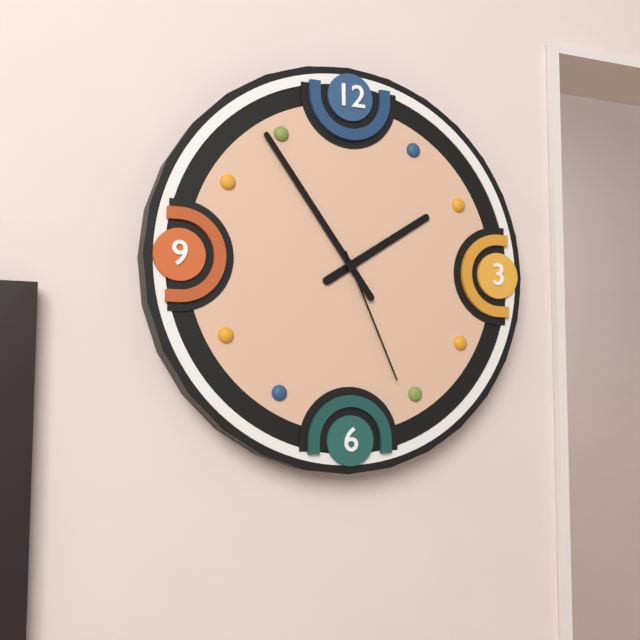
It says 1.54.26
